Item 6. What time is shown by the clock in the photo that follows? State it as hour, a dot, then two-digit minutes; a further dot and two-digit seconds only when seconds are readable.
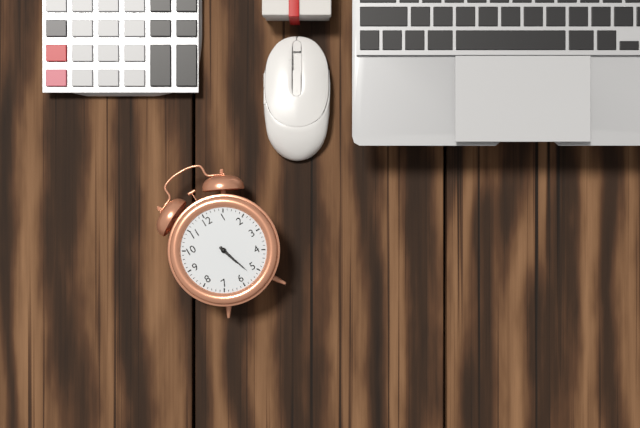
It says 5.27
